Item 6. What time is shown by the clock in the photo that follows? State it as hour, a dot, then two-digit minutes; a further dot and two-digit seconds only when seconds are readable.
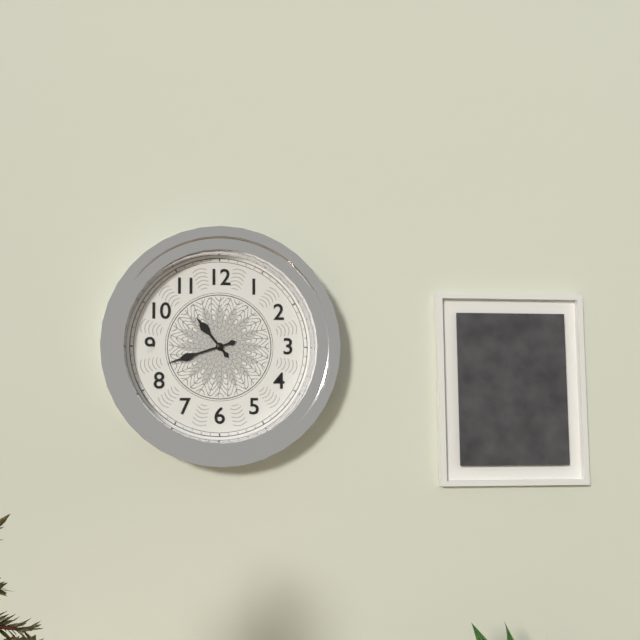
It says 10.42
